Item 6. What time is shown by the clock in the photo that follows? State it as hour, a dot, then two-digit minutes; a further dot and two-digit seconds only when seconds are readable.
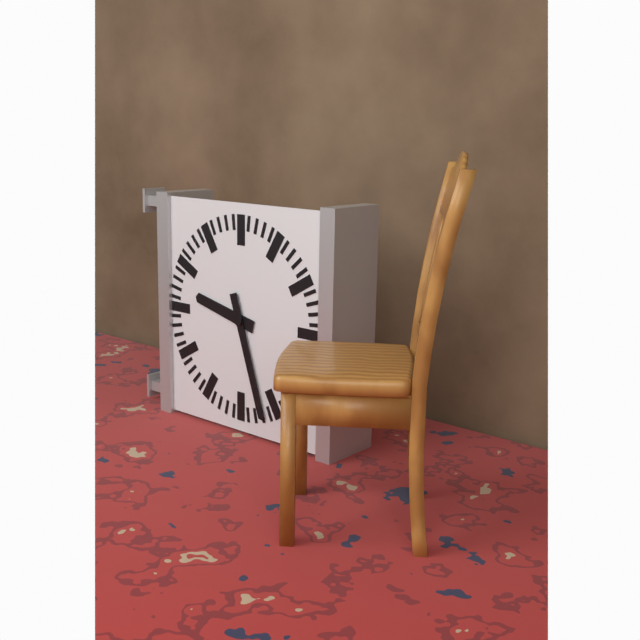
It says 9.27
